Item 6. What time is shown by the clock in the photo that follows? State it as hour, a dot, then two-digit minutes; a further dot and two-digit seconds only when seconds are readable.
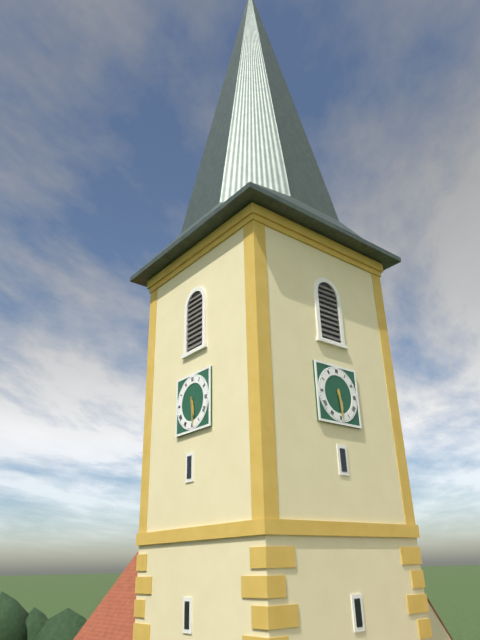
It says 5.29
